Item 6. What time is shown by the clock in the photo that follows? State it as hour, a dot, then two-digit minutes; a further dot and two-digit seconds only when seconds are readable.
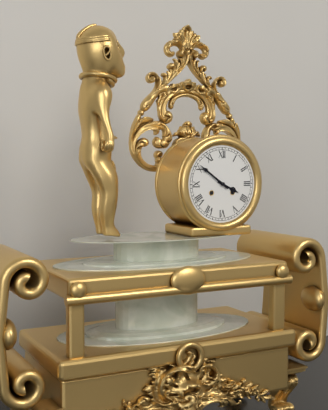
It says 3.51
